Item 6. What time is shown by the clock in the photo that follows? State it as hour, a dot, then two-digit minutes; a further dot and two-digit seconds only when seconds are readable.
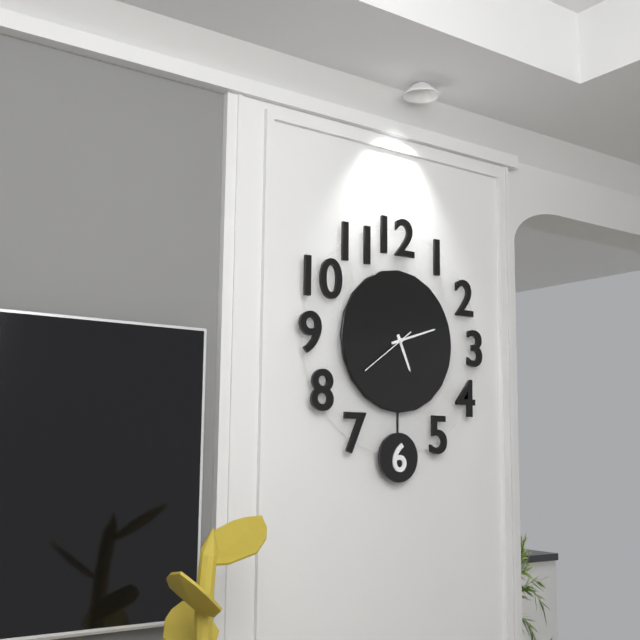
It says 5.12.39
